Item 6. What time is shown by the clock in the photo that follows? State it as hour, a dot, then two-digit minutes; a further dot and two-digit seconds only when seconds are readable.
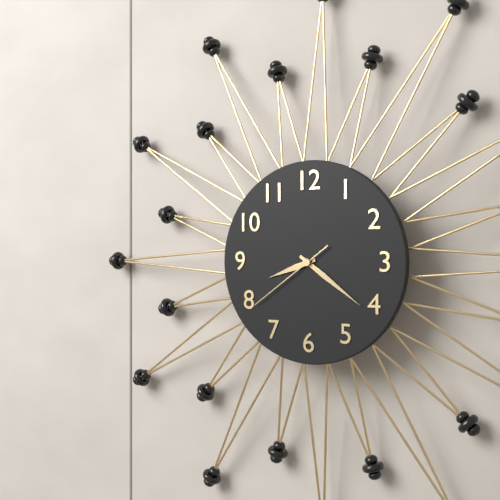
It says 8.21.39
